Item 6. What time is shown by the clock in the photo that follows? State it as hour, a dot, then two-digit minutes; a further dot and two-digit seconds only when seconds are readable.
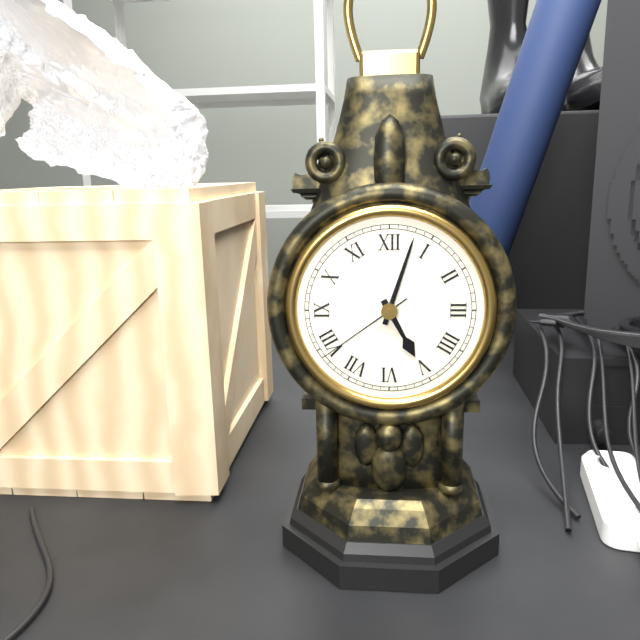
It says 5.03.39
